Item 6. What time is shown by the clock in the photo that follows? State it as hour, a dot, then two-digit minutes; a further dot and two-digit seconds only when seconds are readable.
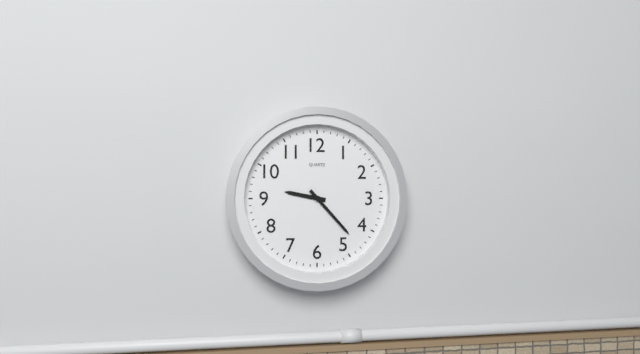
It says 9.23
